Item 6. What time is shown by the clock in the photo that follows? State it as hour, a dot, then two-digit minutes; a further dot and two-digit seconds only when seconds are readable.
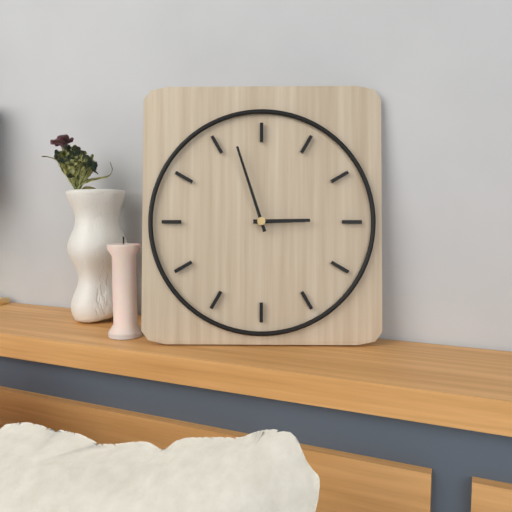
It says 2.57
